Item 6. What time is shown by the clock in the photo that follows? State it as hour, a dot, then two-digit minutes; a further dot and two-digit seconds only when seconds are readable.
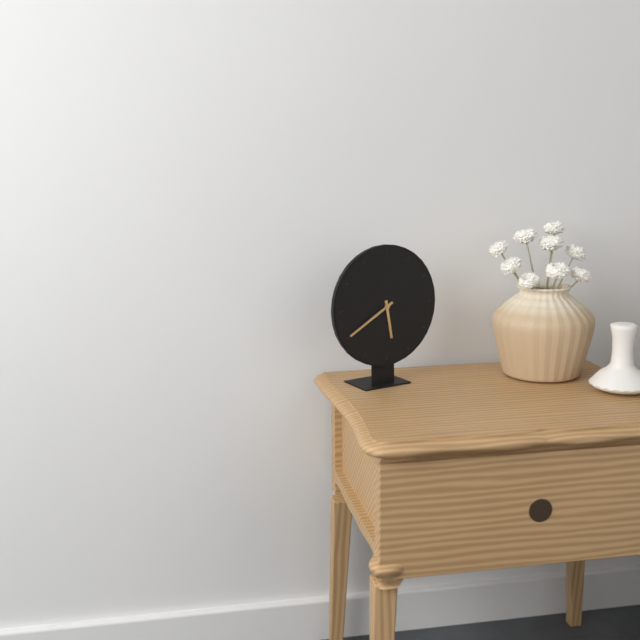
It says 5.40
